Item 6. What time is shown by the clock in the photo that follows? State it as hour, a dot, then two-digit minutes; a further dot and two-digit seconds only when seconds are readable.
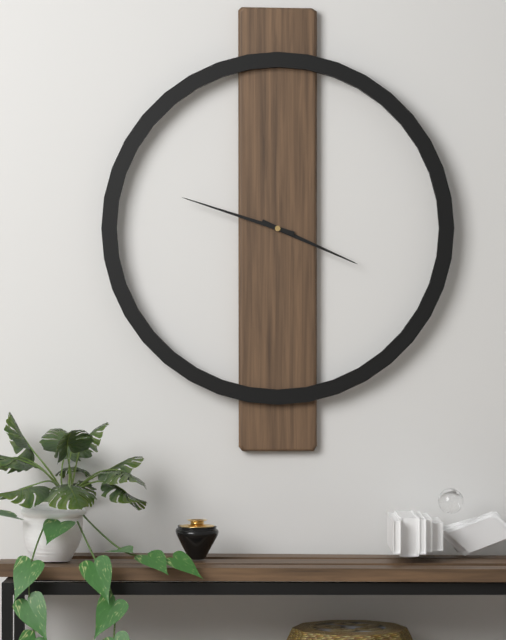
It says 3.48
